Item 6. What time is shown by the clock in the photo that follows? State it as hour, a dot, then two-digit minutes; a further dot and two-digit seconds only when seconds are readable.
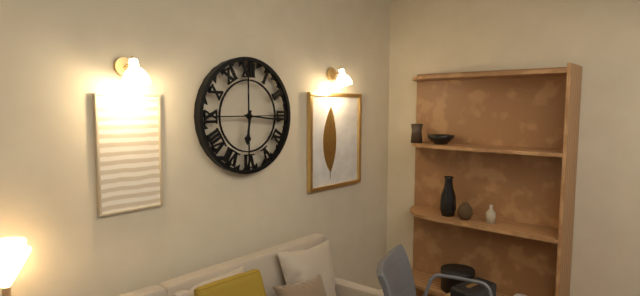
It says 6.16
